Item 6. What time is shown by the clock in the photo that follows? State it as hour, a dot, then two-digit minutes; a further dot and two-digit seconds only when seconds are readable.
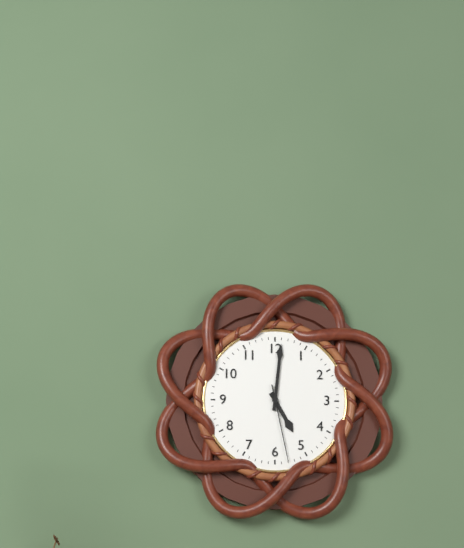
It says 5.01.28
